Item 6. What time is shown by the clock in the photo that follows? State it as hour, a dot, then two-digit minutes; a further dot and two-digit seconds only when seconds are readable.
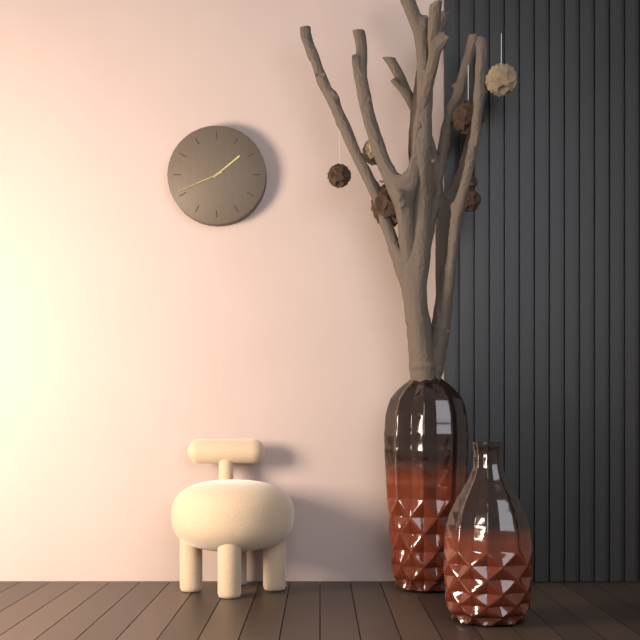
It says 1.41
